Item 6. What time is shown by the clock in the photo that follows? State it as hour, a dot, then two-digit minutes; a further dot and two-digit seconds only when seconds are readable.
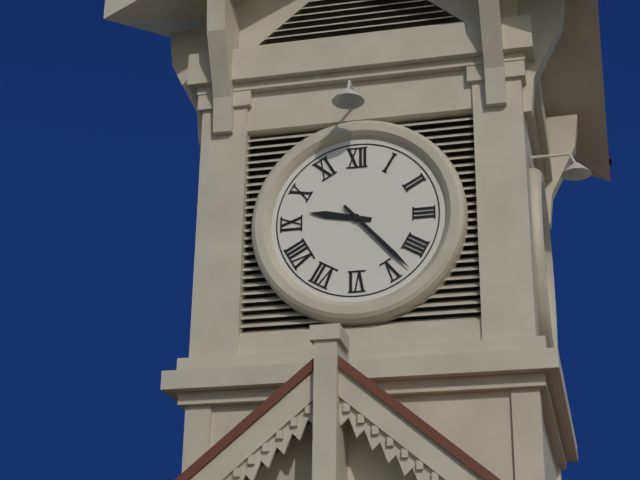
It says 9.23
